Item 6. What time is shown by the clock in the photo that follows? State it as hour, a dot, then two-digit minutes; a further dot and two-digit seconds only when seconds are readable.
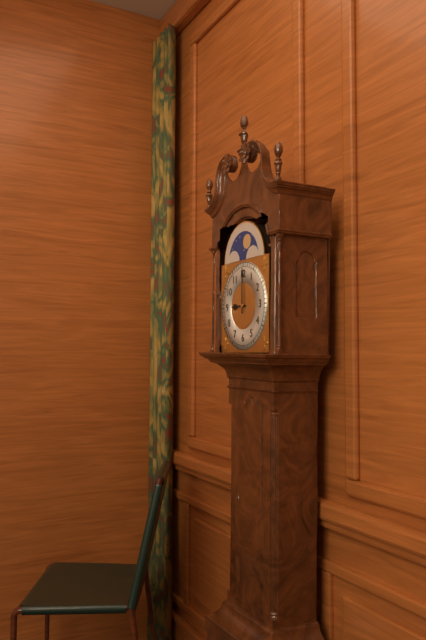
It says 9.00
